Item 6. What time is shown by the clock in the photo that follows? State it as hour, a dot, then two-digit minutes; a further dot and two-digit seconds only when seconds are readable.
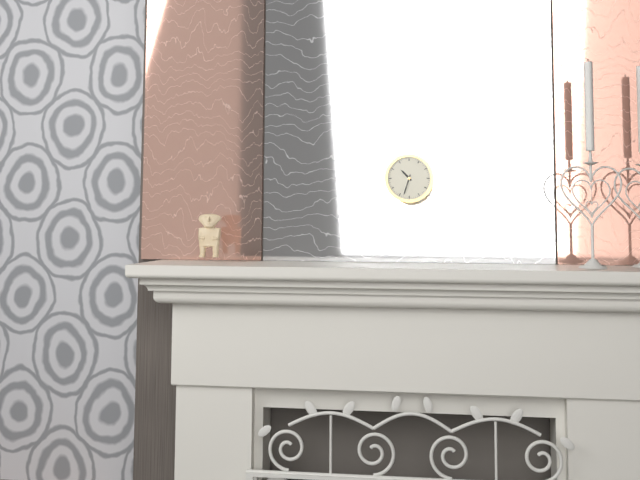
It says 10.33
